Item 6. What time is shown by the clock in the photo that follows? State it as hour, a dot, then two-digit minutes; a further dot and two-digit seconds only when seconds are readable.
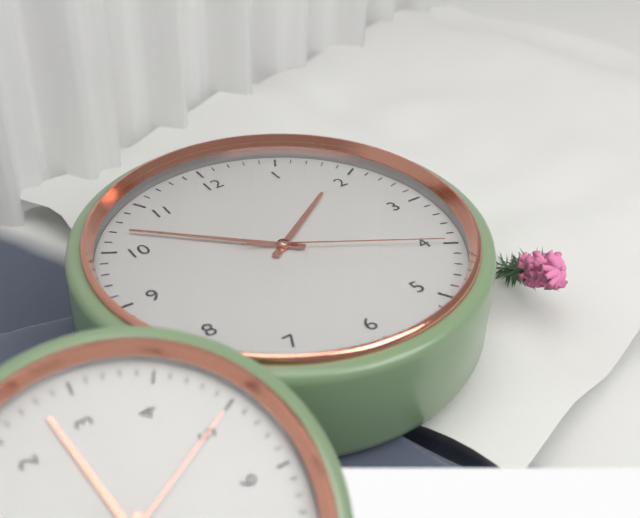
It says 1.52.20
